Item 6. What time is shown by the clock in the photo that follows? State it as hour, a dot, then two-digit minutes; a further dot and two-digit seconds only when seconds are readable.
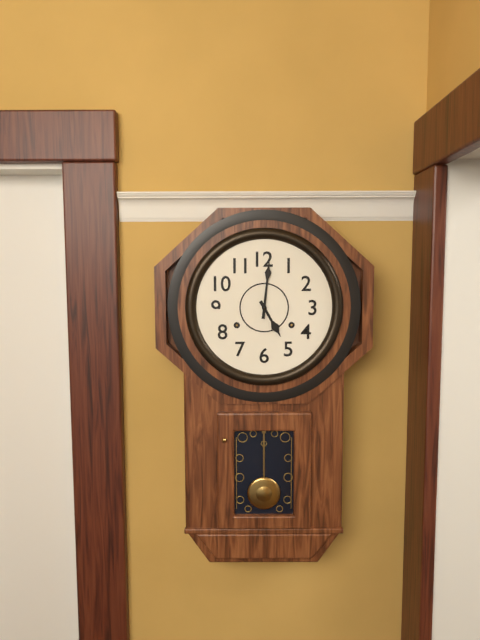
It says 5.01
